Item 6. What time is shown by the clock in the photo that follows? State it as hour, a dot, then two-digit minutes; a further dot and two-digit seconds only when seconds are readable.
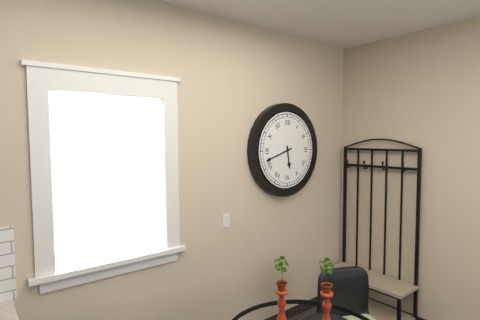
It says 5.42
